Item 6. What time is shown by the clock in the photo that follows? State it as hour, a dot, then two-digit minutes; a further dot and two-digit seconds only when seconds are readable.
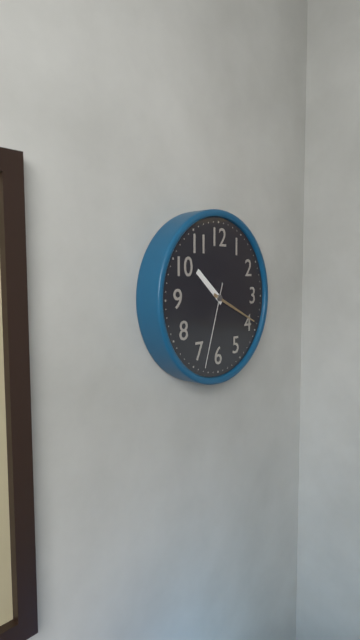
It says 10.19.33
